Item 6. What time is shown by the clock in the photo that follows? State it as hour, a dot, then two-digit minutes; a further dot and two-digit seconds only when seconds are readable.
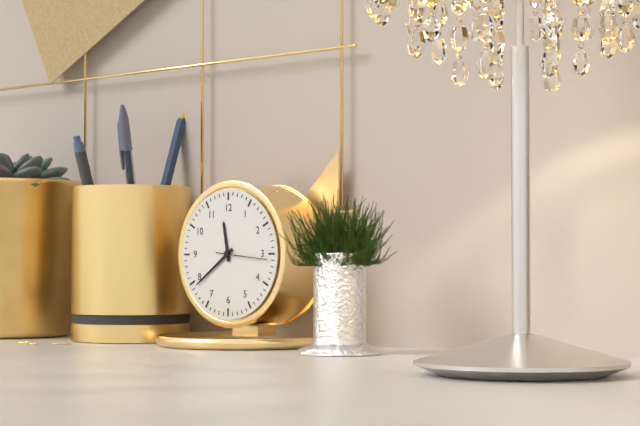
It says 11.39.16
